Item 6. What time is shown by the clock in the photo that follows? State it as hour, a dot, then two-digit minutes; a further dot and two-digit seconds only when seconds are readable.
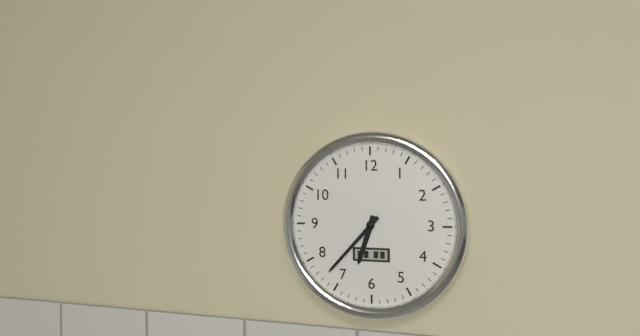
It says 6.37
